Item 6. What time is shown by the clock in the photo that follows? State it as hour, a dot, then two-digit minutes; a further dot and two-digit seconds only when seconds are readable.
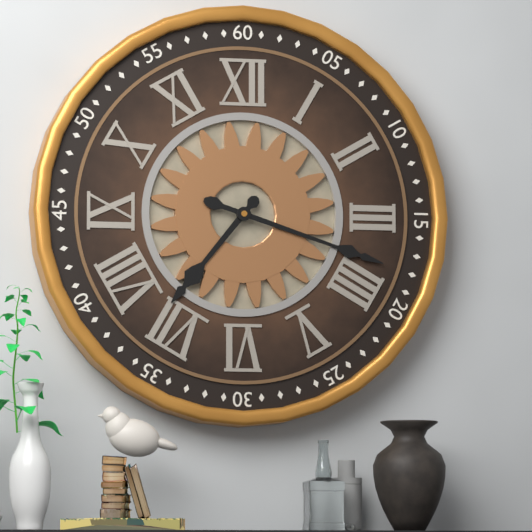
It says 7.18
